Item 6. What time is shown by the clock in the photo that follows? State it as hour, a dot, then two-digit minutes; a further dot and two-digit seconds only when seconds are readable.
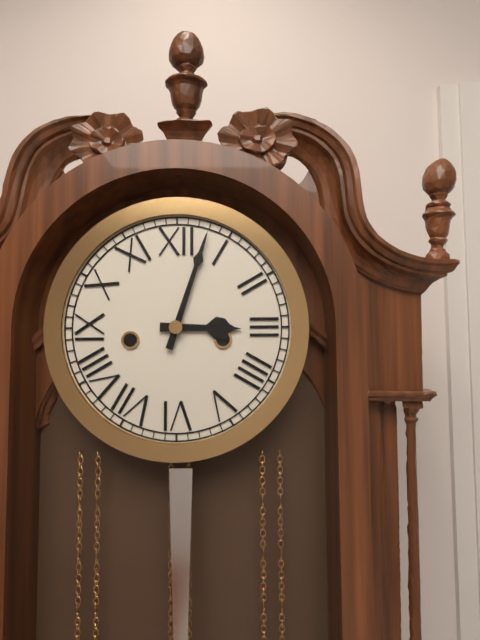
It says 3.03
